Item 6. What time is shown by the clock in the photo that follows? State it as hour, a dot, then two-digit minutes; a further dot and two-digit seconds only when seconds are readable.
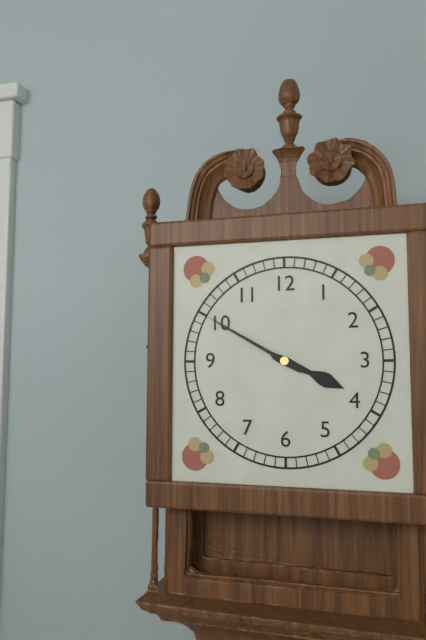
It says 3.50
